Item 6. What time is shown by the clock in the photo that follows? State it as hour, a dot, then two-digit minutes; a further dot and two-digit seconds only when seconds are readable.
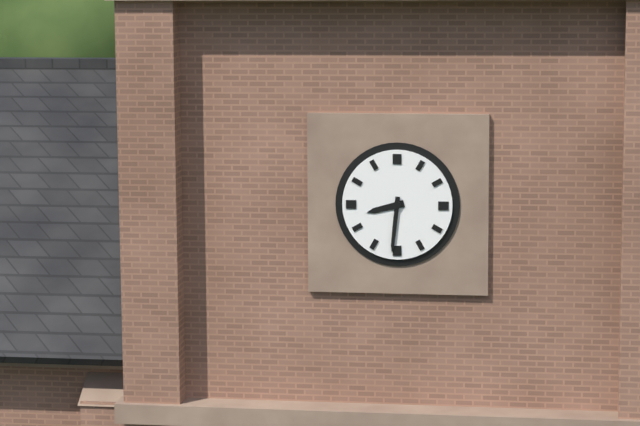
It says 8.31
